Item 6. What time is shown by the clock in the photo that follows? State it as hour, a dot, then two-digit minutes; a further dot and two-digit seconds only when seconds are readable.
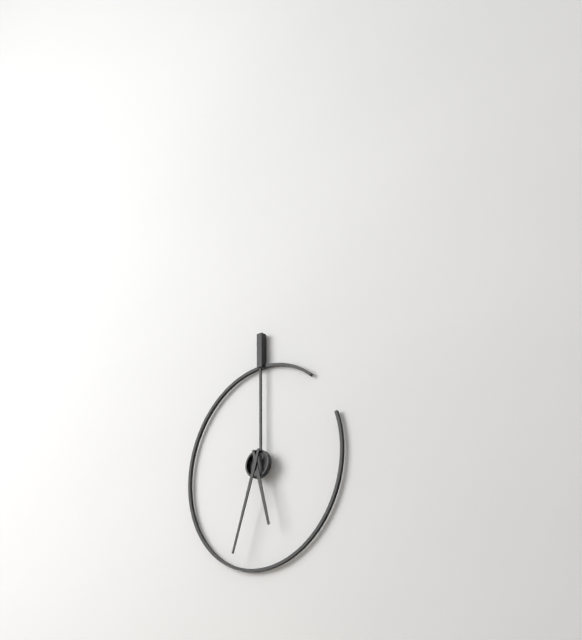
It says 5.33
